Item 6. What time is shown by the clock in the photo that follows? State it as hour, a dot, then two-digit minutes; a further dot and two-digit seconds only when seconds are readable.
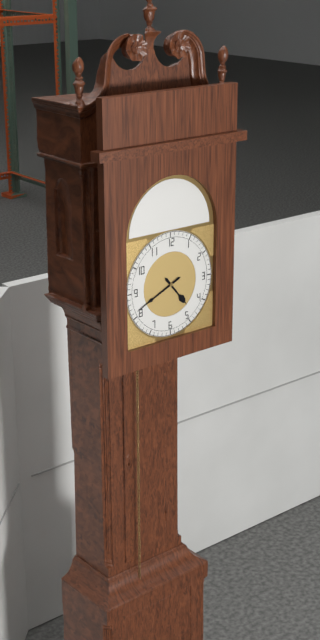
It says 4.41
